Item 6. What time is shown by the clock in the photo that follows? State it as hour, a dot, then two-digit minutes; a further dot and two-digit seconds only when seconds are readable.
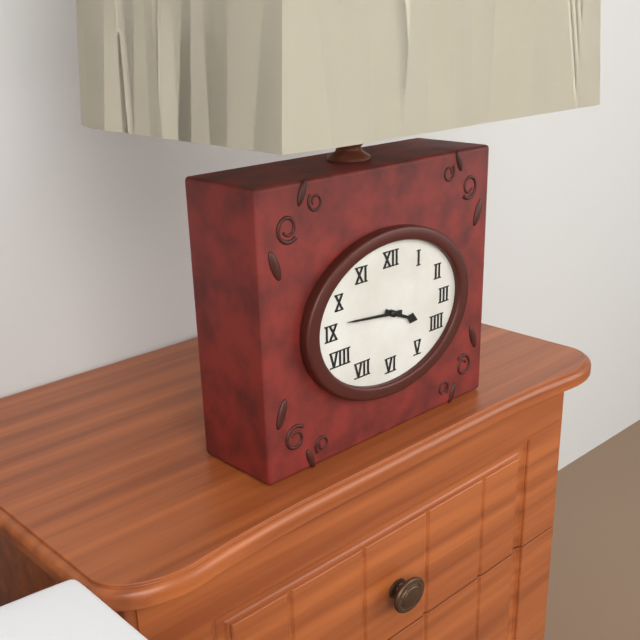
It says 3.46
